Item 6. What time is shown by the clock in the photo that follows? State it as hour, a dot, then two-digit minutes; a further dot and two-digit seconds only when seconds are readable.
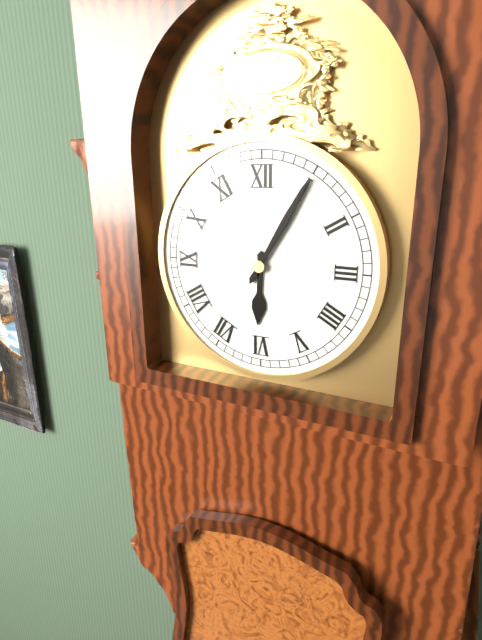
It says 6.05
